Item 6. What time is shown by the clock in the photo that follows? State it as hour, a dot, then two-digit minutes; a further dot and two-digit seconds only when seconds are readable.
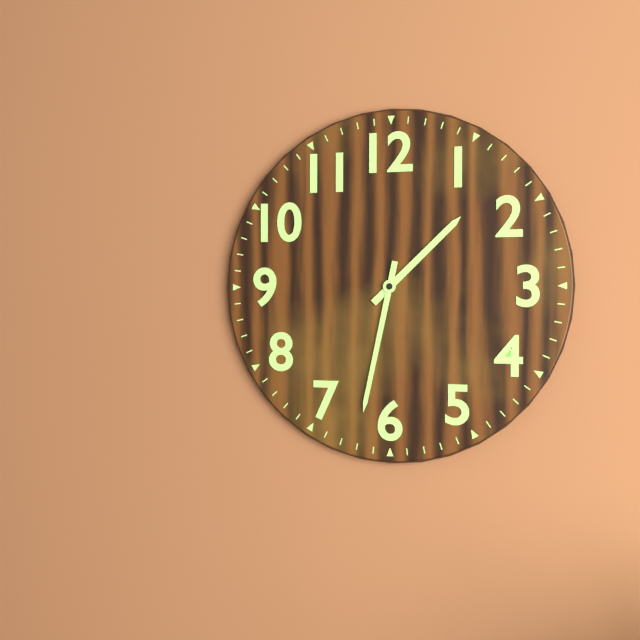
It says 1.32
